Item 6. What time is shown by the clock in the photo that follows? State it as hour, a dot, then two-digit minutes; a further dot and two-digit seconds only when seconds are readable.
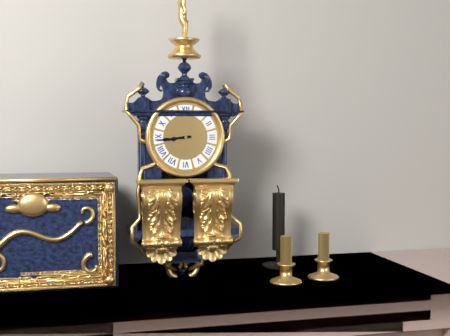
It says 8.44
